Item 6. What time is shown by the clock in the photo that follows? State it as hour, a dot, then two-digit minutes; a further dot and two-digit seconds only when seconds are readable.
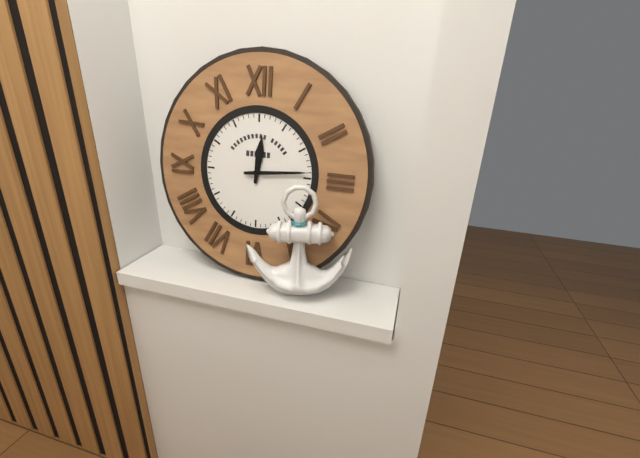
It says 12.14
